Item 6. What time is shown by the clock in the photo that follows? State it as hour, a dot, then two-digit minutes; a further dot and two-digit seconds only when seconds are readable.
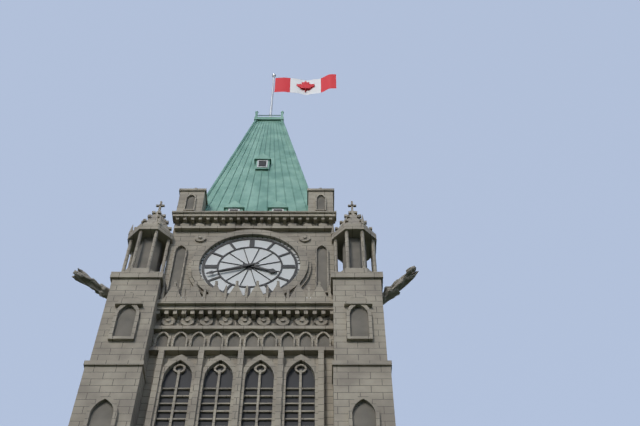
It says 3.42
